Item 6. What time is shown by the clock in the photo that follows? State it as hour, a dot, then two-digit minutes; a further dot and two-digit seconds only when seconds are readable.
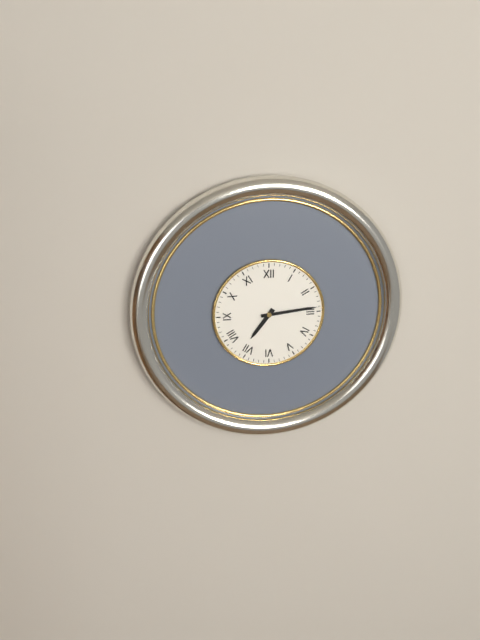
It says 7.14
